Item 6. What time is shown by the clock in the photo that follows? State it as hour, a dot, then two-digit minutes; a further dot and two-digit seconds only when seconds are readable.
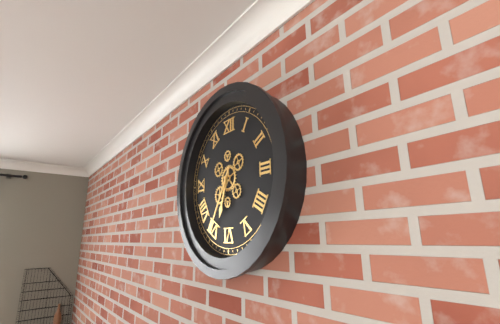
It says 6.35
